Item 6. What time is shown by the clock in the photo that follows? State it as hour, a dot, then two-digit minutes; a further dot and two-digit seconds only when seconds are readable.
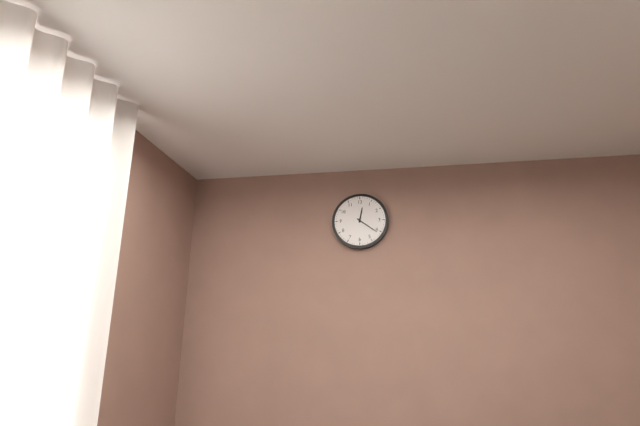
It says 12.21
